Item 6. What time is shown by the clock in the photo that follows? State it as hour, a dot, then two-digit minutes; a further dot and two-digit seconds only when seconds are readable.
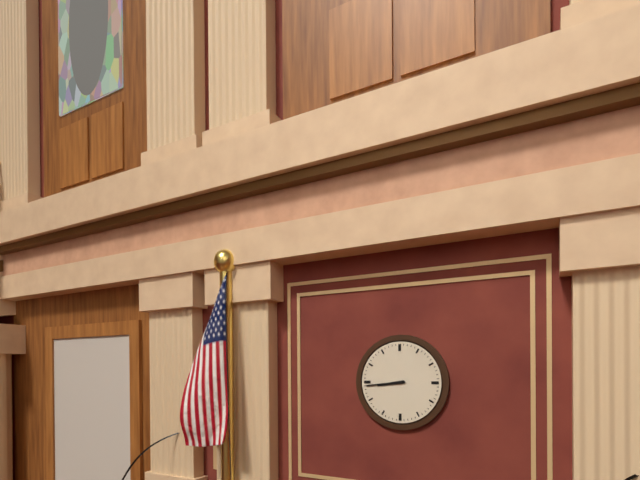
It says 8.44
